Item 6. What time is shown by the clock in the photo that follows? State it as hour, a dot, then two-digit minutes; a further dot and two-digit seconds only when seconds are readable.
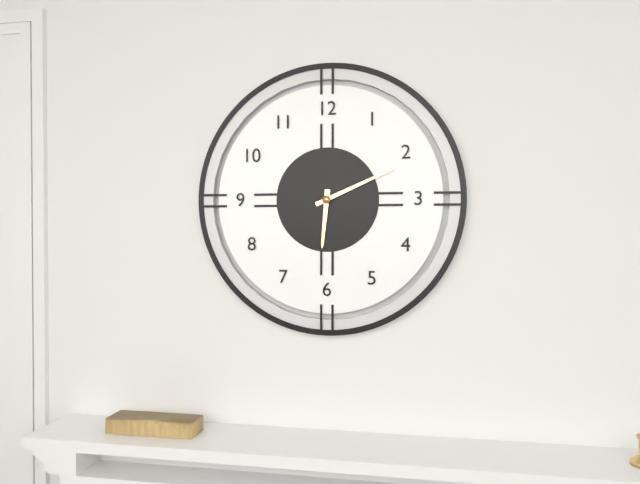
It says 6.11
